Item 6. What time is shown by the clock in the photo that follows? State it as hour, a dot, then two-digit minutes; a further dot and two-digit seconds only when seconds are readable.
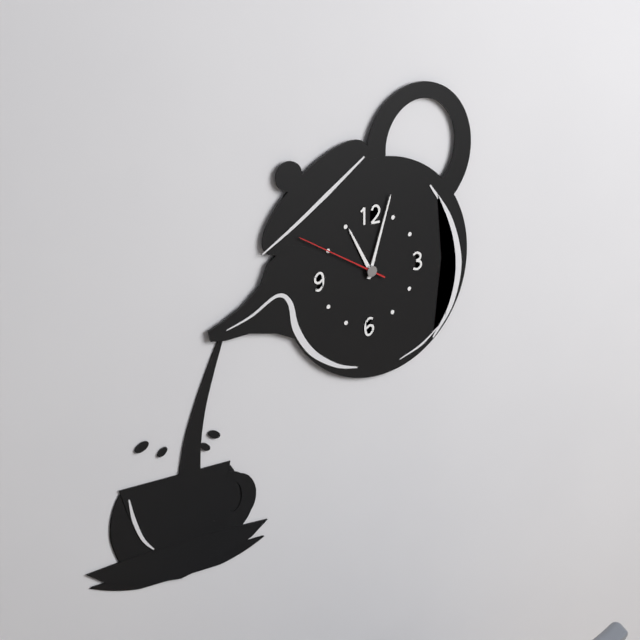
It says 11.03.50
